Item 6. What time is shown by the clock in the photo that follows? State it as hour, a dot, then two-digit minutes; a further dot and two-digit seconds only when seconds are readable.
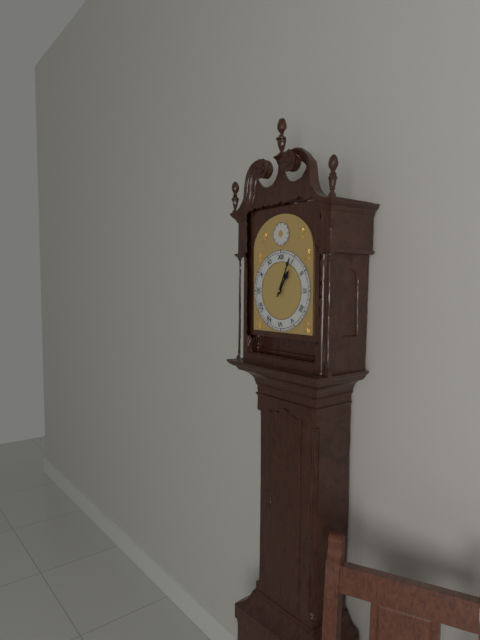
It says 1.04
